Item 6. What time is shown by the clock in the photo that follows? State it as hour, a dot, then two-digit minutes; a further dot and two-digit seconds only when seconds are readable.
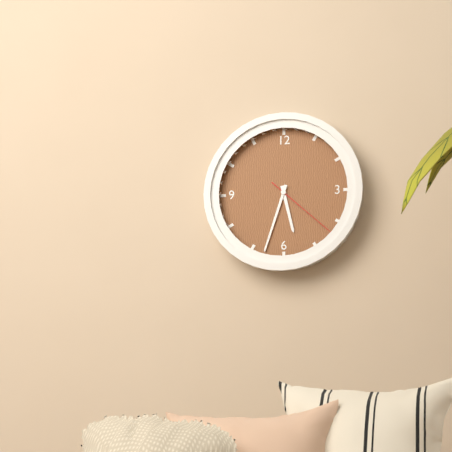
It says 5.33.22
